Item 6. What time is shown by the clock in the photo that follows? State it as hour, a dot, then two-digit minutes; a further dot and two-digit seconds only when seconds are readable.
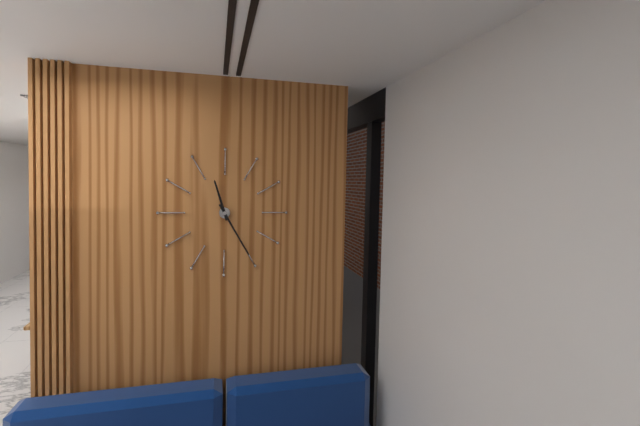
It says 11.25
